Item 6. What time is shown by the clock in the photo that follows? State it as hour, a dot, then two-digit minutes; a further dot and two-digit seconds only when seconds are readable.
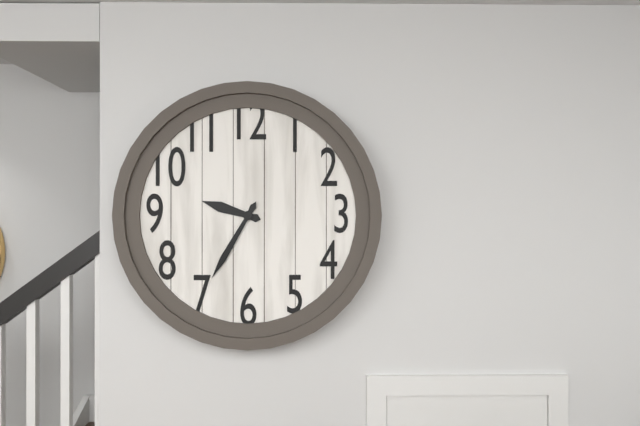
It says 9.35
